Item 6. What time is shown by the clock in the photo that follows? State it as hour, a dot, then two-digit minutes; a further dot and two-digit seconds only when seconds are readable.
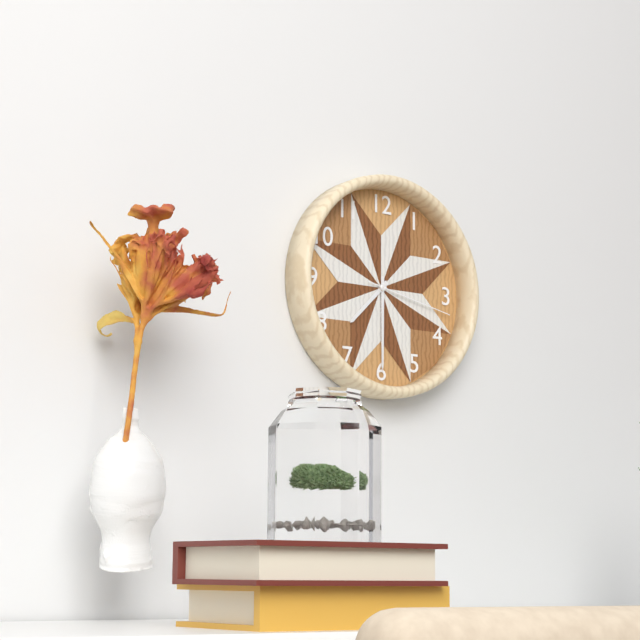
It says 7.30.17
